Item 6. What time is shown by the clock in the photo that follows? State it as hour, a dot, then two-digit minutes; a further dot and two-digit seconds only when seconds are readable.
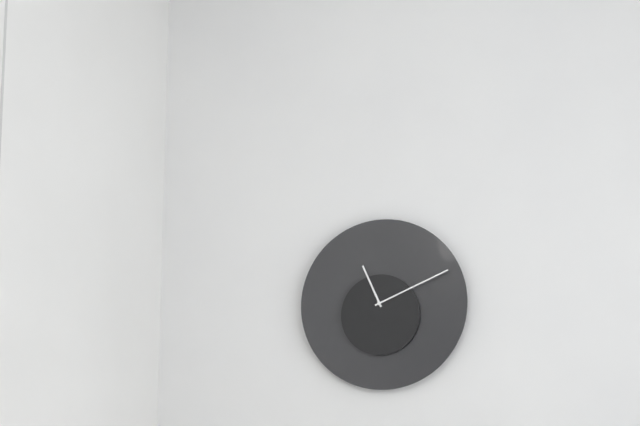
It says 11.11
